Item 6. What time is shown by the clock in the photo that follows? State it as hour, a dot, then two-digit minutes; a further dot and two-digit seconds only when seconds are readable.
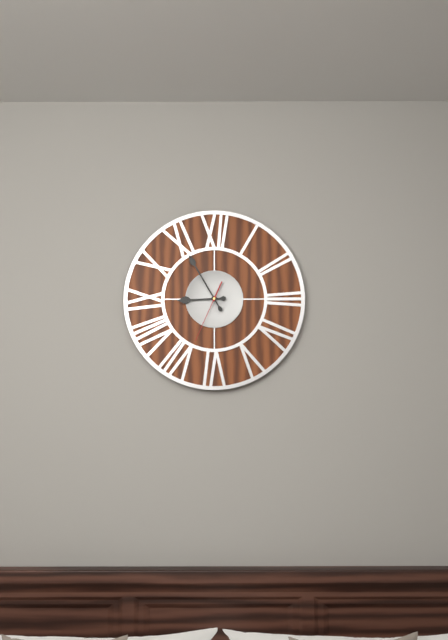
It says 8.55.34
